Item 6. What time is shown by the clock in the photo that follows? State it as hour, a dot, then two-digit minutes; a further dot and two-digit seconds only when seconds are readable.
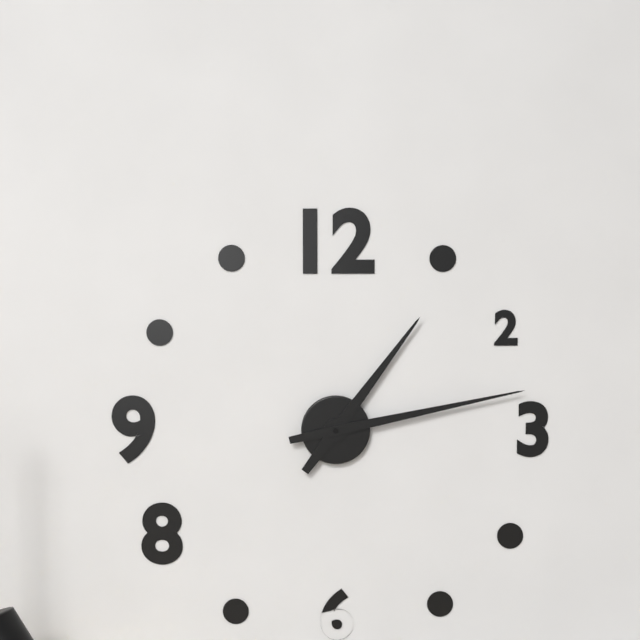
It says 1.13
